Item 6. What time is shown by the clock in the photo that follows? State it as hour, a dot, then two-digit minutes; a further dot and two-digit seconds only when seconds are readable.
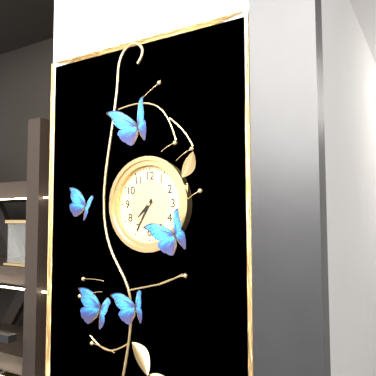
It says 7.35
